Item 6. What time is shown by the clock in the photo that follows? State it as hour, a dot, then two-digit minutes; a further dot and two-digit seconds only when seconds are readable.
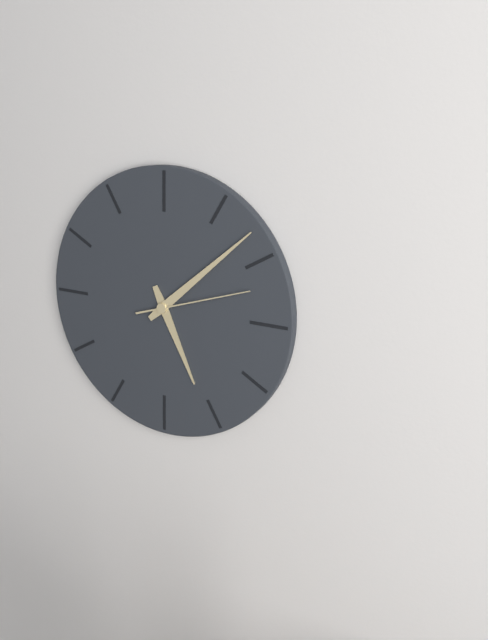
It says 5.08.12
